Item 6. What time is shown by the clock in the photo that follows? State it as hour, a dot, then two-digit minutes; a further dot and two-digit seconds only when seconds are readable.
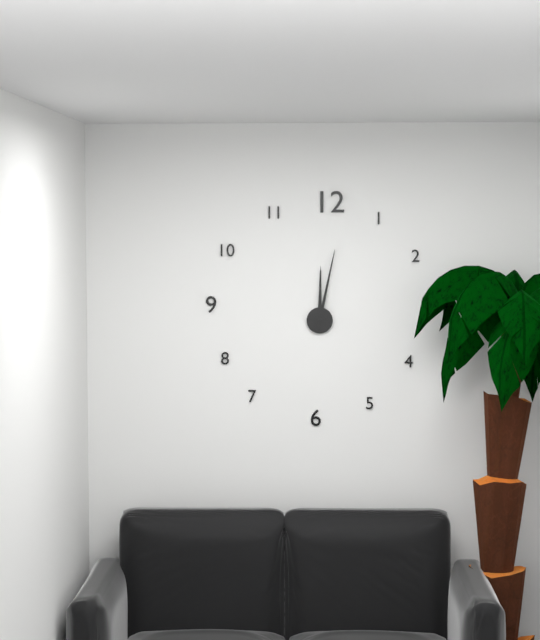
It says 12.02
